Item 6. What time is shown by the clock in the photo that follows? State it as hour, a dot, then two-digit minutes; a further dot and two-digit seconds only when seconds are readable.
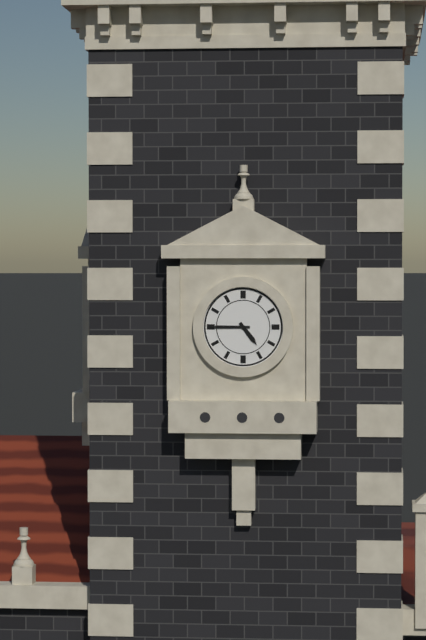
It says 4.45
